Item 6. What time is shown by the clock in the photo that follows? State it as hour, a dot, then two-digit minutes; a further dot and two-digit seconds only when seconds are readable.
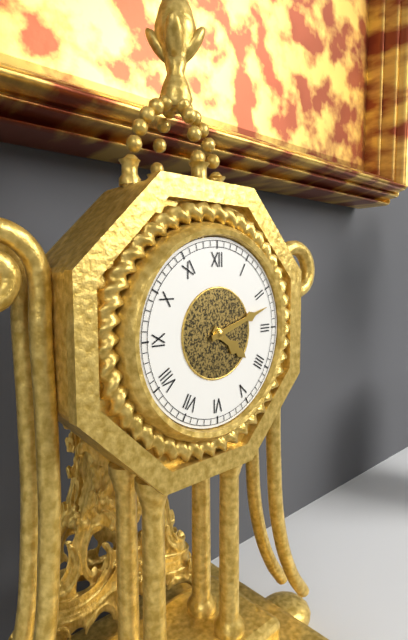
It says 4.12
